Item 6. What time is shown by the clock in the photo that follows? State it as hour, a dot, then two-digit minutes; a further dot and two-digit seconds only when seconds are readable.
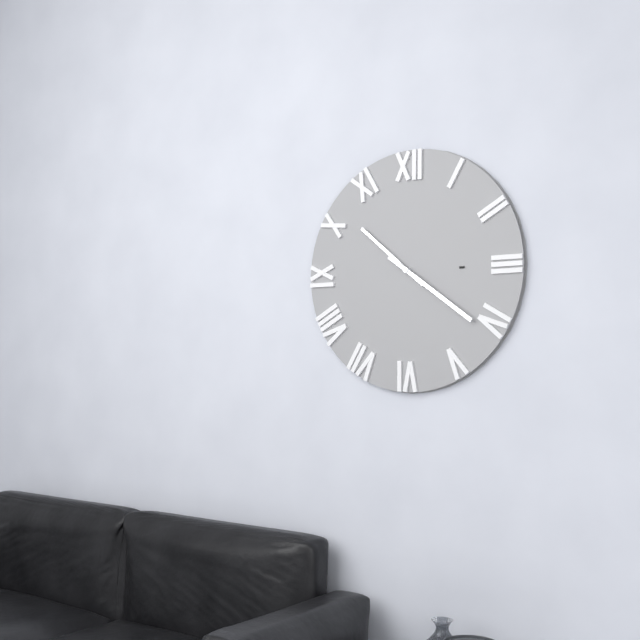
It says 10.21
